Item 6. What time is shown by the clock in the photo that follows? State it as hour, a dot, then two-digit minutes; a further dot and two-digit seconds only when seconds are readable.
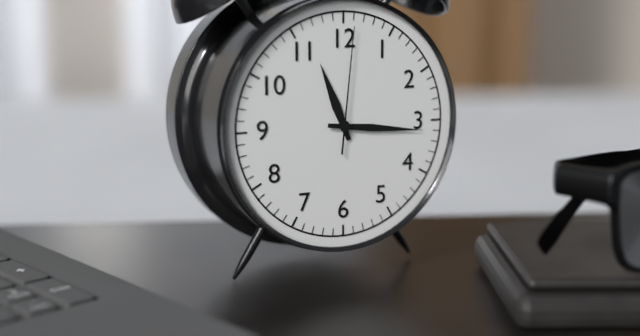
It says 11.16.01
